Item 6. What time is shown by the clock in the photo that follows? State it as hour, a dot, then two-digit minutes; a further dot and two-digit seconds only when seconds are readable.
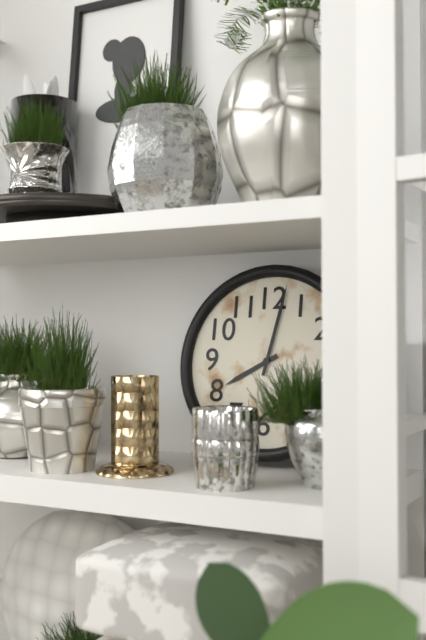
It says 8.02
